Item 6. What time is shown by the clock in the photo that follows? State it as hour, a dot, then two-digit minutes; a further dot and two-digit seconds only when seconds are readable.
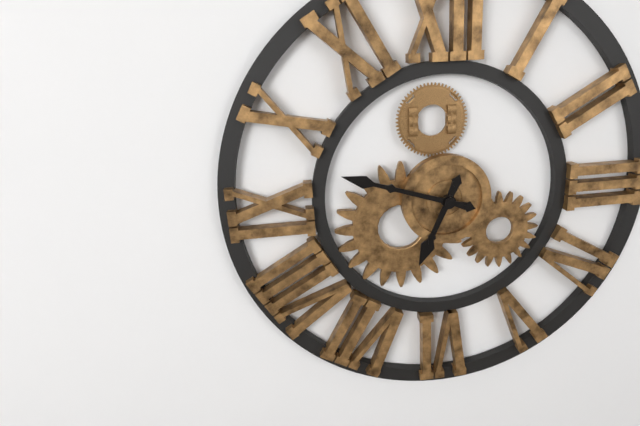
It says 6.48
